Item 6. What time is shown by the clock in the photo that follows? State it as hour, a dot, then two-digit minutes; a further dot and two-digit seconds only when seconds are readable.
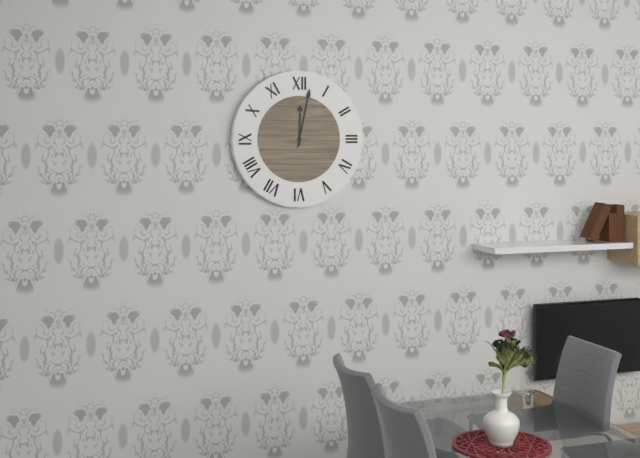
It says 12.02
